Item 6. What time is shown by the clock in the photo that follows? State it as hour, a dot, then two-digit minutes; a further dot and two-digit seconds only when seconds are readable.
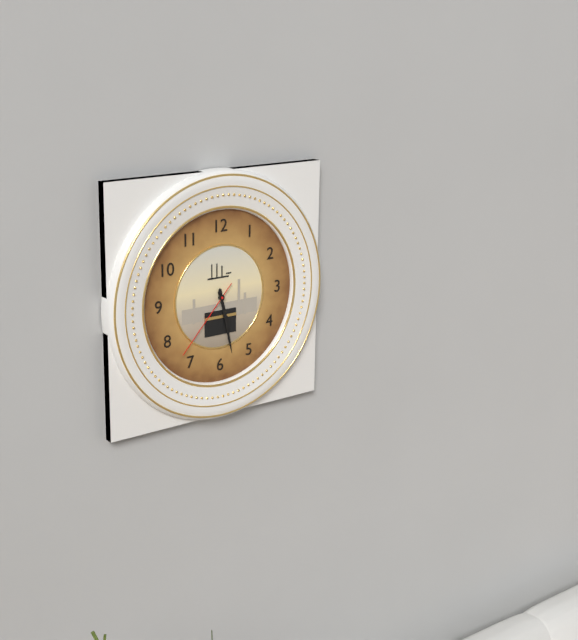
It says 5.28.37
